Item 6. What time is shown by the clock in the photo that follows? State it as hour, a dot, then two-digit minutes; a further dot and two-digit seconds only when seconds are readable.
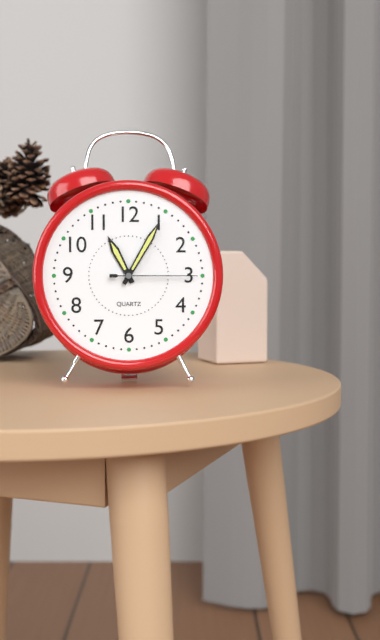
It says 11.05.15
